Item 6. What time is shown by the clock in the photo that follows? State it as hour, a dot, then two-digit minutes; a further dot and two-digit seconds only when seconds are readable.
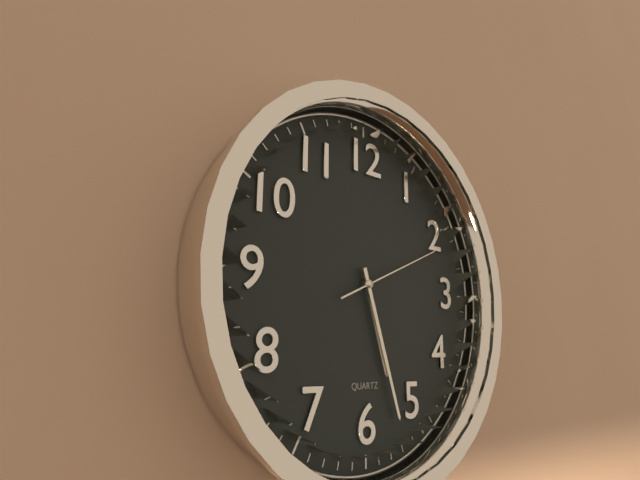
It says 5.27.11
